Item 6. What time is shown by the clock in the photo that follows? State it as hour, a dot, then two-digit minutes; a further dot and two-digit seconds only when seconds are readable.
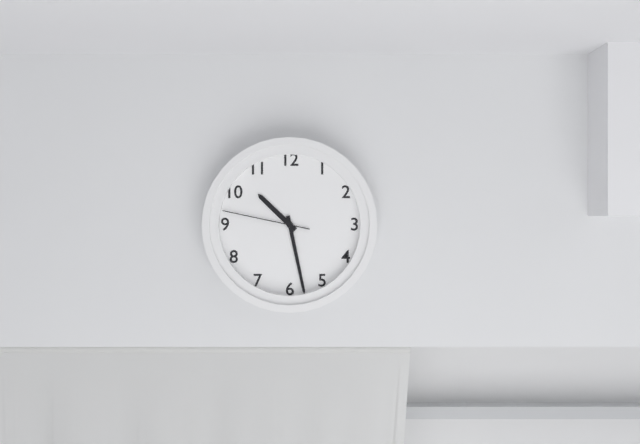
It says 10.28.47
